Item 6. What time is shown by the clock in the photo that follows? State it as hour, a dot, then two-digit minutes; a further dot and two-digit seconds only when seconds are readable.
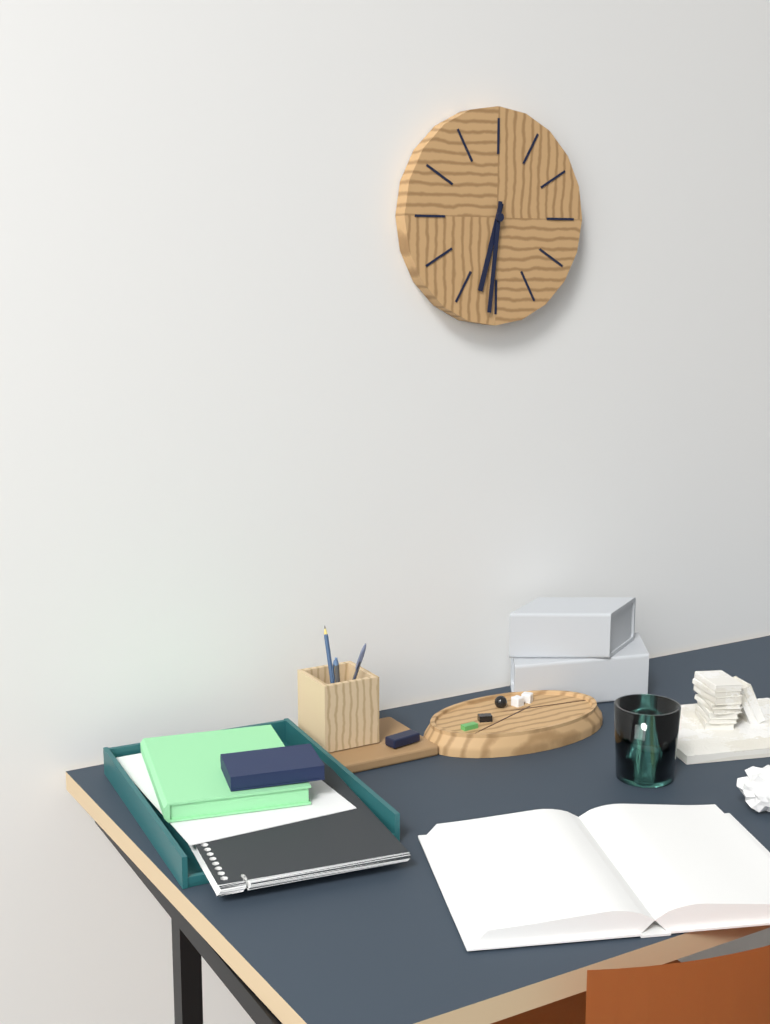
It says 6.31
